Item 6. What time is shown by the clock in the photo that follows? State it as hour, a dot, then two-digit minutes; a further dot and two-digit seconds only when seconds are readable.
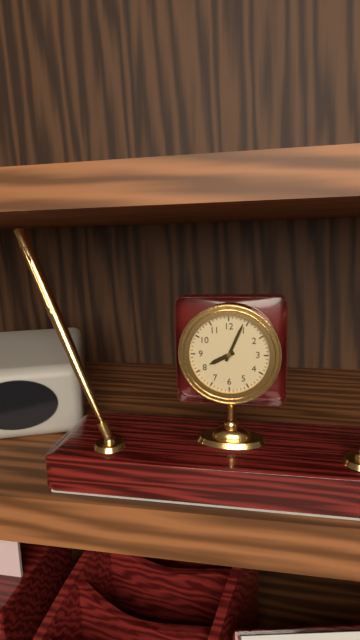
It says 8.04
